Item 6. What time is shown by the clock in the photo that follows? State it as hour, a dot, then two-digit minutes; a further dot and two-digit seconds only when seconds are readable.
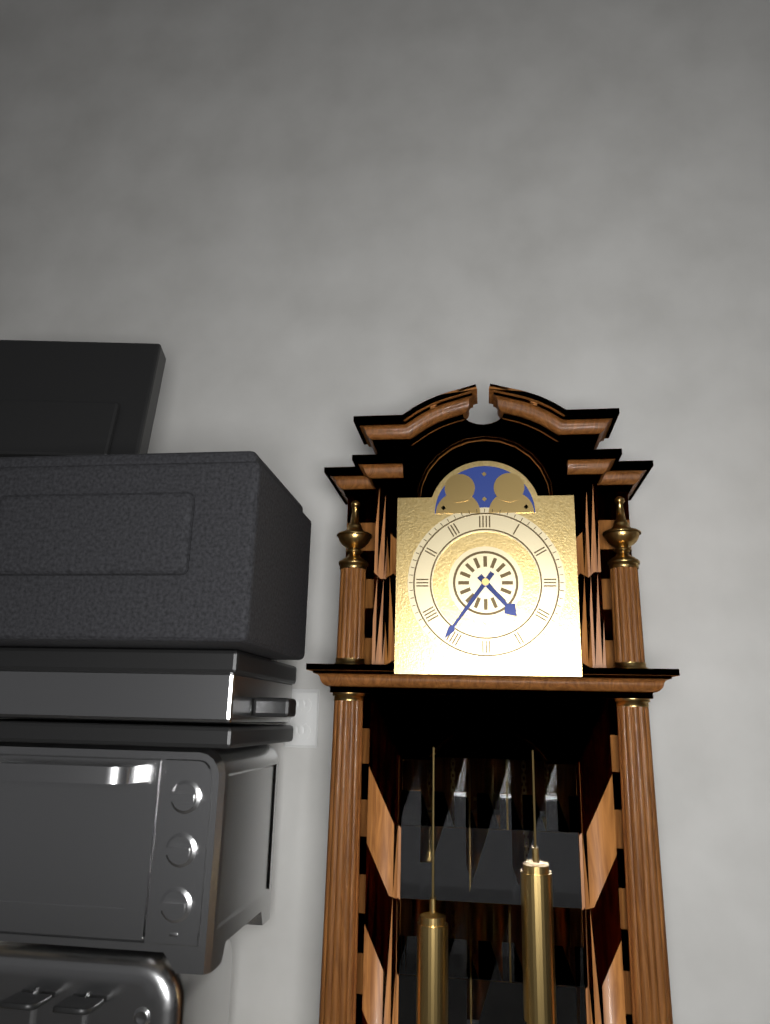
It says 4.36
